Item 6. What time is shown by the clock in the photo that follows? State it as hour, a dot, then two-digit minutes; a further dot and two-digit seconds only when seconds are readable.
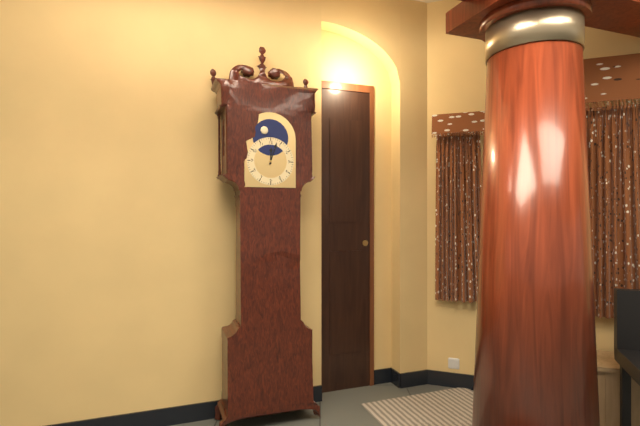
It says 12.03
